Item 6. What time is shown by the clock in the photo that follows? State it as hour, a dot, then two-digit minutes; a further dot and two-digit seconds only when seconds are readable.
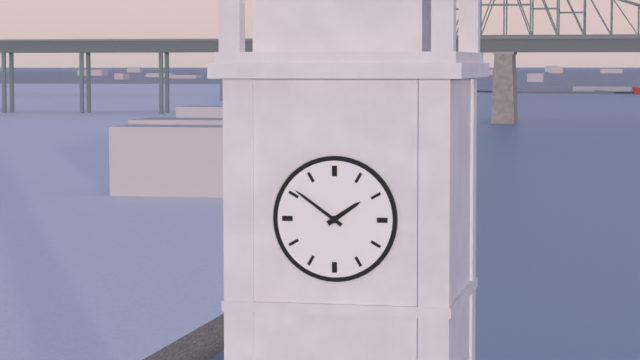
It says 1.51
